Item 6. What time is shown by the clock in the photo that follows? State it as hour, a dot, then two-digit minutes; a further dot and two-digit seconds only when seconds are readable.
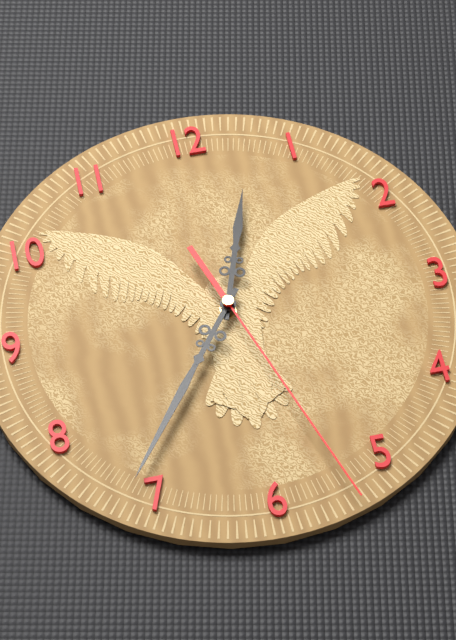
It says 12.36.27
